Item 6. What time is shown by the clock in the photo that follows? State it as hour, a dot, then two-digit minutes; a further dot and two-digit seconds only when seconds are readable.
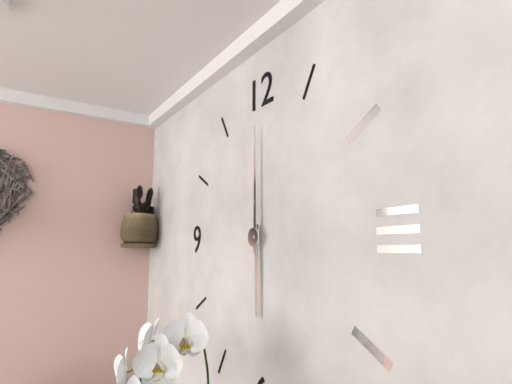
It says 6.00
